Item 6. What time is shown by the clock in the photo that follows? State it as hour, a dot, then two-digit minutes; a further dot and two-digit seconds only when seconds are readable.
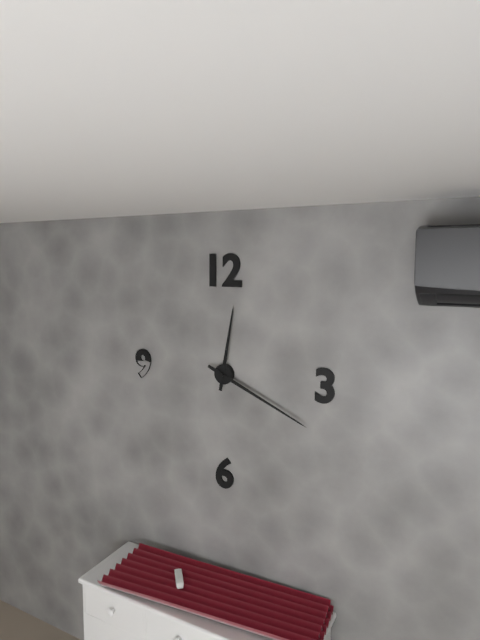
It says 12.19
